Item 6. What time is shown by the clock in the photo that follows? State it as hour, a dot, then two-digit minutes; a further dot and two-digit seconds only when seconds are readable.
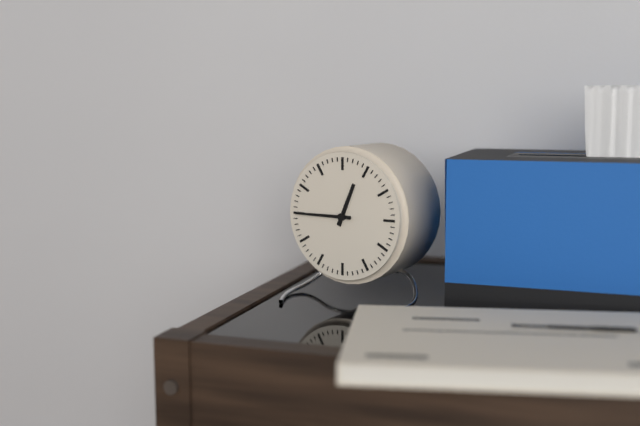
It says 12.45
